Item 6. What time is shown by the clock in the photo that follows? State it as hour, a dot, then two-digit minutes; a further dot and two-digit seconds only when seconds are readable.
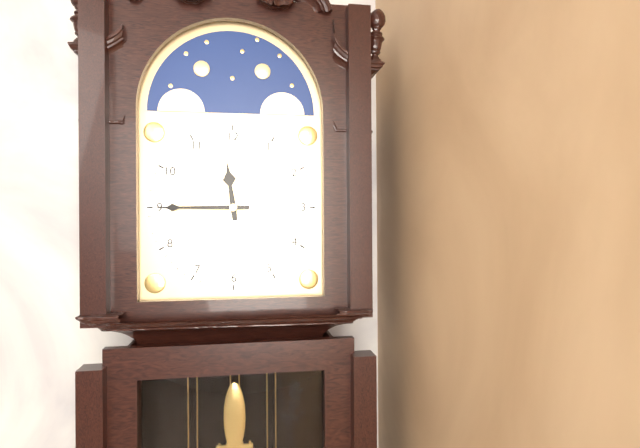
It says 11.45
